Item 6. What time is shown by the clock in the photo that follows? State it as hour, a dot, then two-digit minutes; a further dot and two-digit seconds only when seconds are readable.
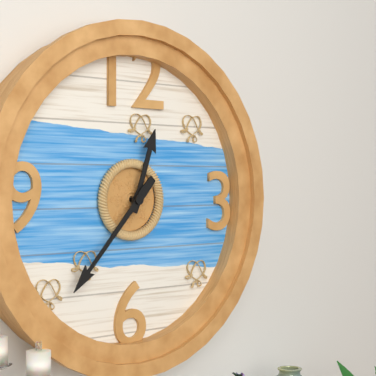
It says 12.37
